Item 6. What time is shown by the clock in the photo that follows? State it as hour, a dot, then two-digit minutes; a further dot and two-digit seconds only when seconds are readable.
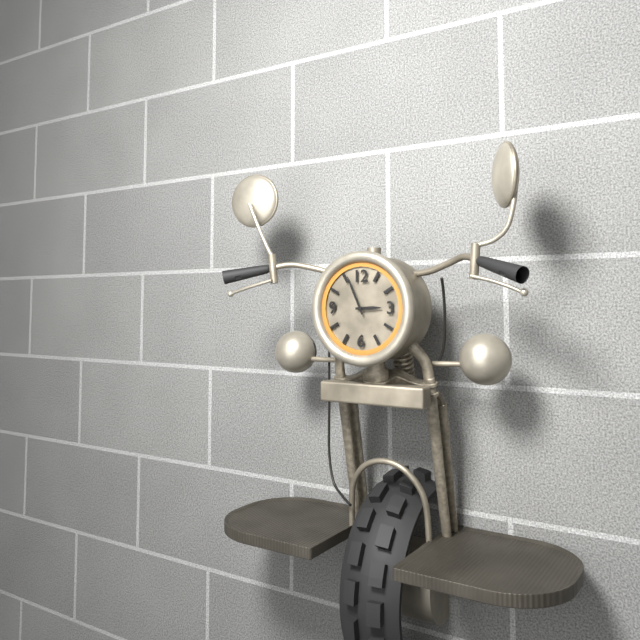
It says 2.56
